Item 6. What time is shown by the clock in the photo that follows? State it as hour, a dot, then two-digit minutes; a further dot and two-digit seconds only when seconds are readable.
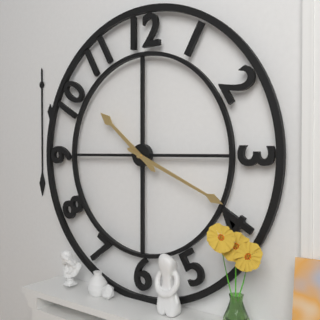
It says 10.19
